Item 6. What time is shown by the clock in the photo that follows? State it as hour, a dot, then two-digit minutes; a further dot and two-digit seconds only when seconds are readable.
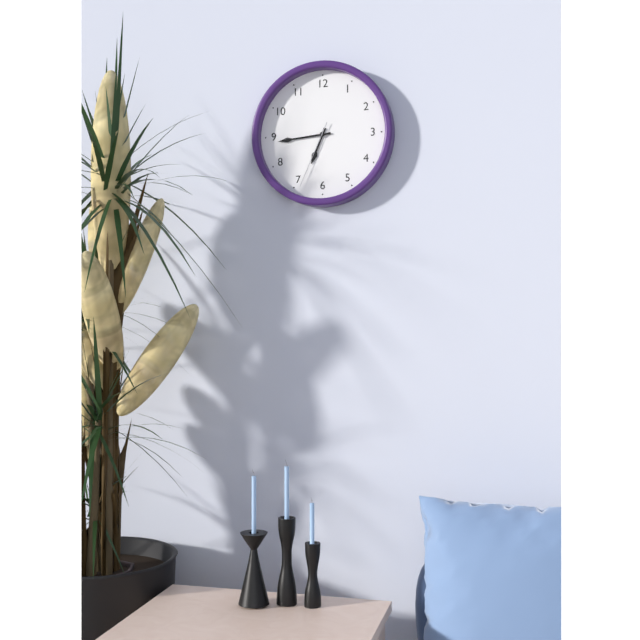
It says 6.44.34
